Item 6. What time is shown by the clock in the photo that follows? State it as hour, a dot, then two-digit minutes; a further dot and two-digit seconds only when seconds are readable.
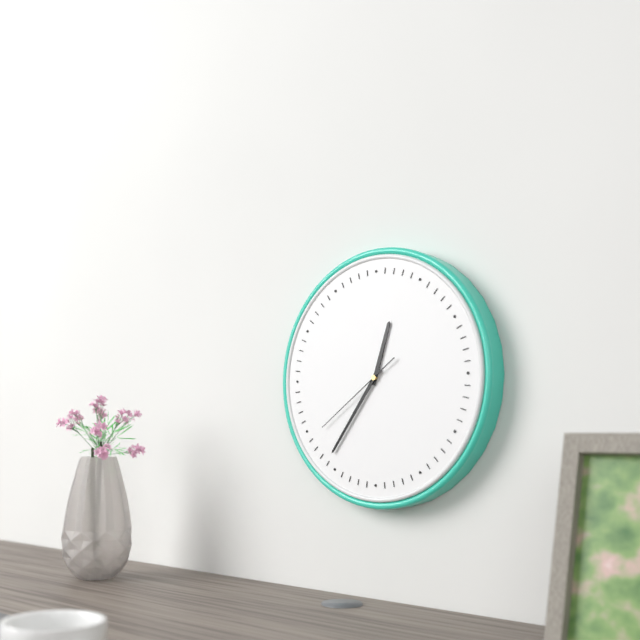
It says 12.36.39
